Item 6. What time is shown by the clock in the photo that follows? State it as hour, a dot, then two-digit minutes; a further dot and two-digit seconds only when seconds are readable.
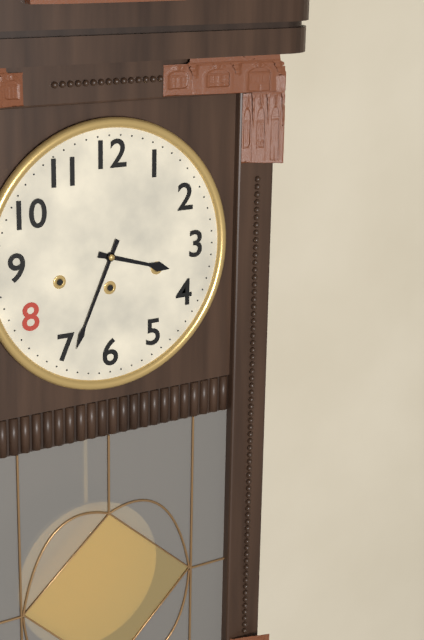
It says 3.34
